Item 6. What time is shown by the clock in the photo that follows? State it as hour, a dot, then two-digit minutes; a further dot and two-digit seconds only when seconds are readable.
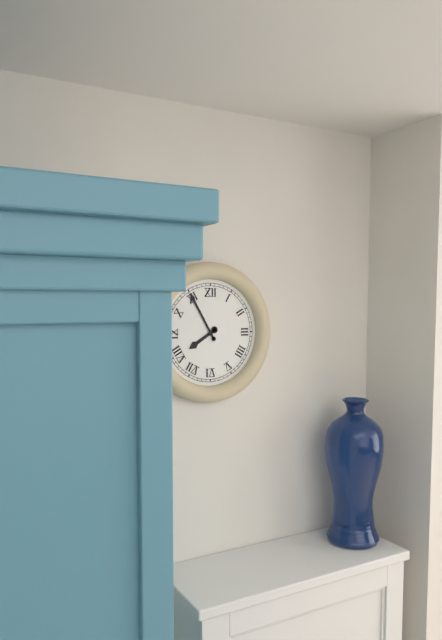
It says 7.55
